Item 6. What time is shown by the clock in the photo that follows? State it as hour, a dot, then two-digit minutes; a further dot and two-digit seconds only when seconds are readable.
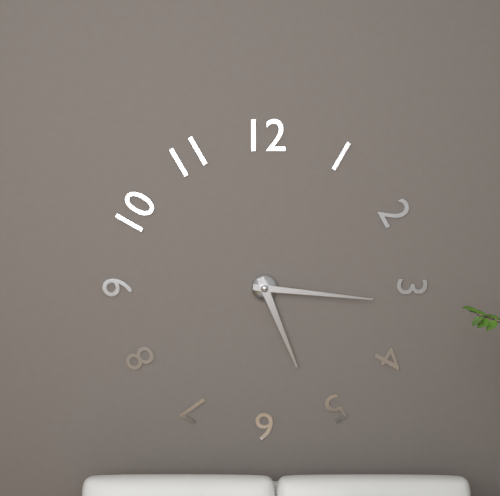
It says 5.16
